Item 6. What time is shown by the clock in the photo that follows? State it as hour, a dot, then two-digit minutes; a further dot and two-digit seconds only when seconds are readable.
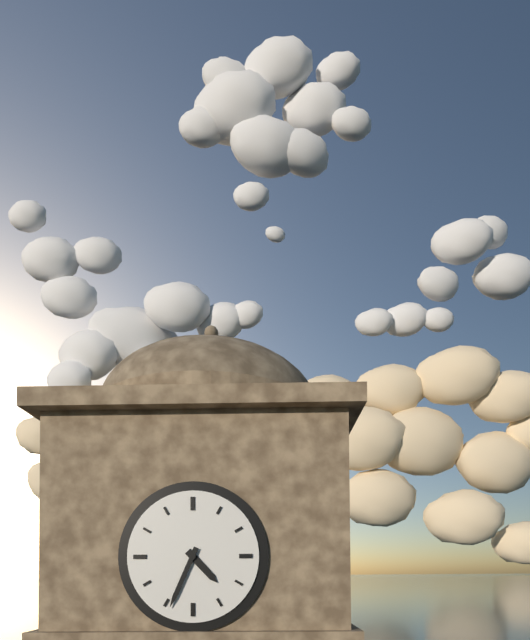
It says 4.34
